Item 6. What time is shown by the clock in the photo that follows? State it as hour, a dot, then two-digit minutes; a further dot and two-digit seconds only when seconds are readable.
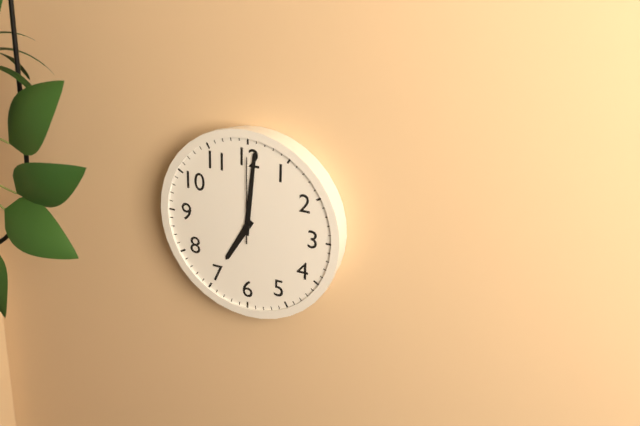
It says 7.01.00
